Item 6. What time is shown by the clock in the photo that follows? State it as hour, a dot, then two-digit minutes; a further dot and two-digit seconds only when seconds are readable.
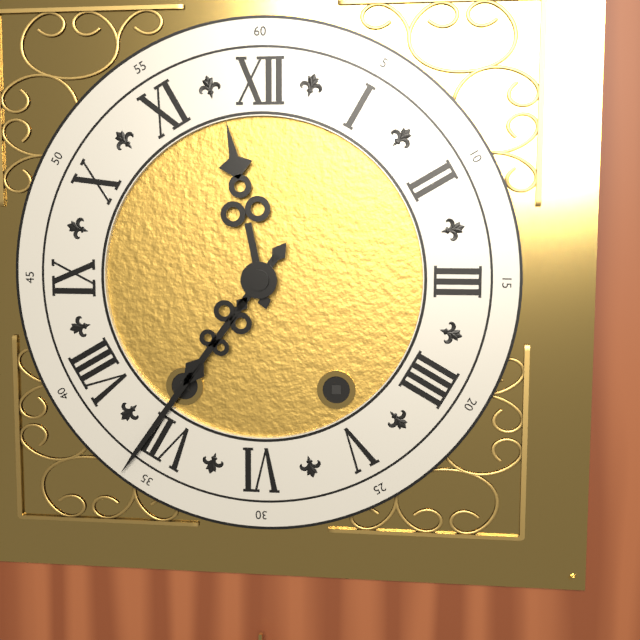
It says 11.36
